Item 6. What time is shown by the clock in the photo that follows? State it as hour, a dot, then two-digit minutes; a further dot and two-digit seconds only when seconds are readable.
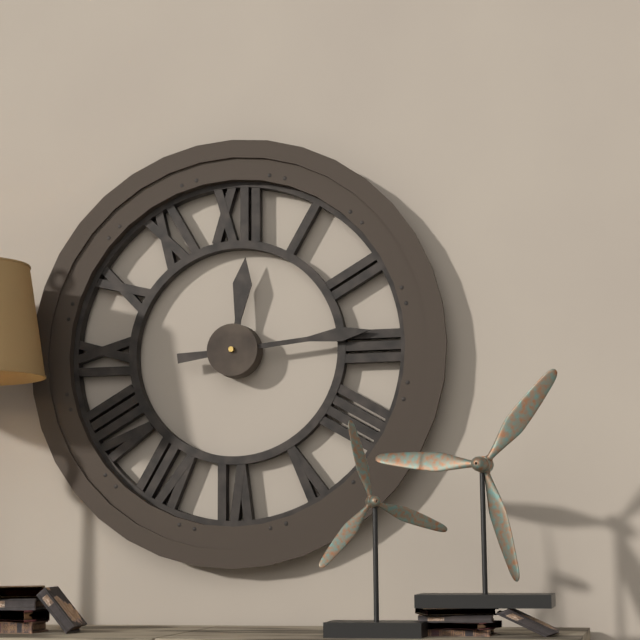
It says 12.14
